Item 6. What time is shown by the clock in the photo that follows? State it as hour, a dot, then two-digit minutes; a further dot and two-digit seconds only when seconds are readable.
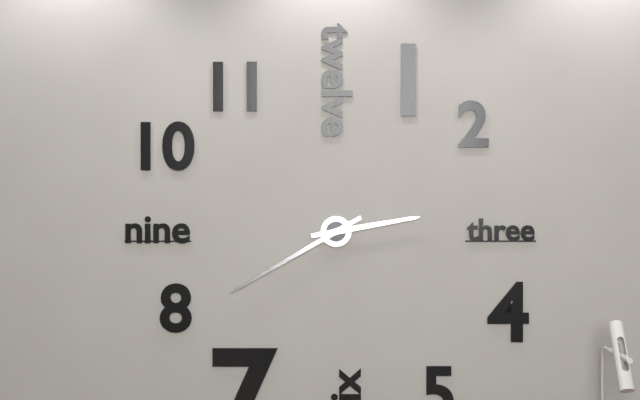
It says 2.40
